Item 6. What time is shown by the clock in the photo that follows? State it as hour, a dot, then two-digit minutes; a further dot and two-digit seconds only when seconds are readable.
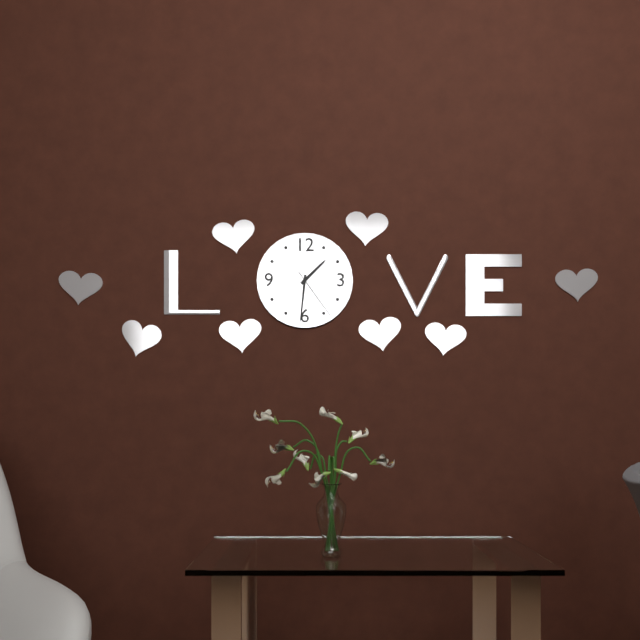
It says 1.31.24
